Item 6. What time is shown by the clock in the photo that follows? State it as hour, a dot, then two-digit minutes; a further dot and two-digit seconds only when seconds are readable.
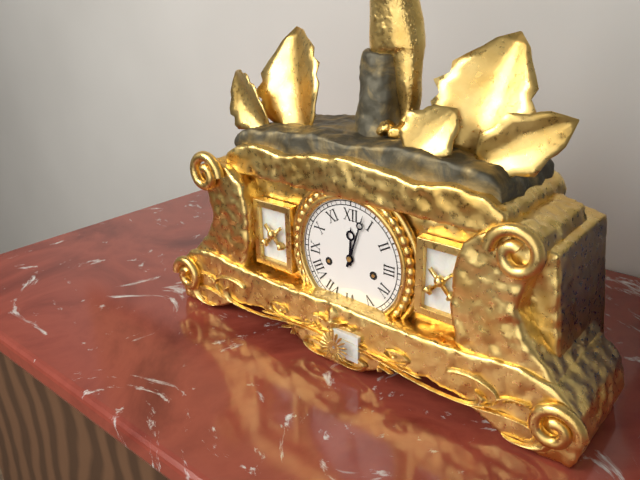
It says 12.03
